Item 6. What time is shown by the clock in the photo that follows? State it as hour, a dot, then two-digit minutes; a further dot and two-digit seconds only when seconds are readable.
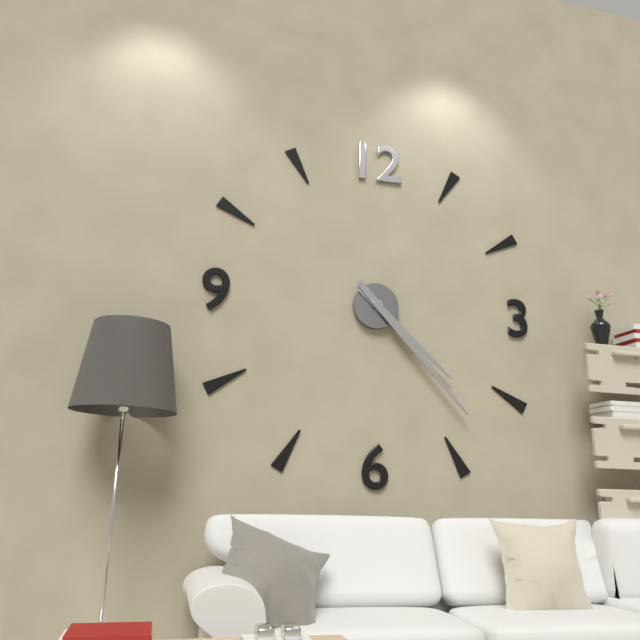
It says 4.23
